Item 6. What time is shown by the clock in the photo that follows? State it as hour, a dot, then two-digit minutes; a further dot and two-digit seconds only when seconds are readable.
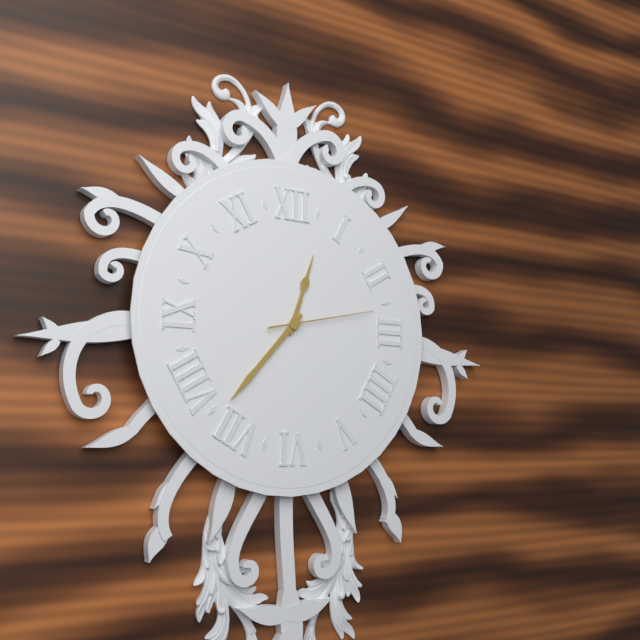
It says 12.37.13
